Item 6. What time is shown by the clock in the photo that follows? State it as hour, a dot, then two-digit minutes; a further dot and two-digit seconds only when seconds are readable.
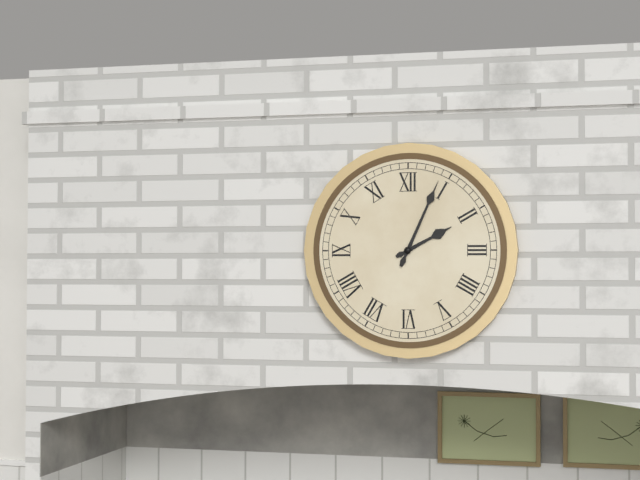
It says 2.04
